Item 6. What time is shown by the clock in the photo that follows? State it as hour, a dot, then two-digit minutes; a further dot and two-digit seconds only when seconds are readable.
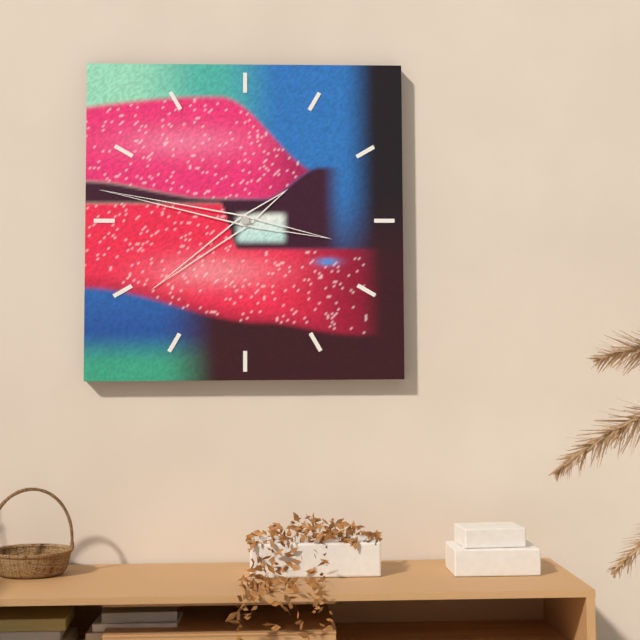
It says 7.47
